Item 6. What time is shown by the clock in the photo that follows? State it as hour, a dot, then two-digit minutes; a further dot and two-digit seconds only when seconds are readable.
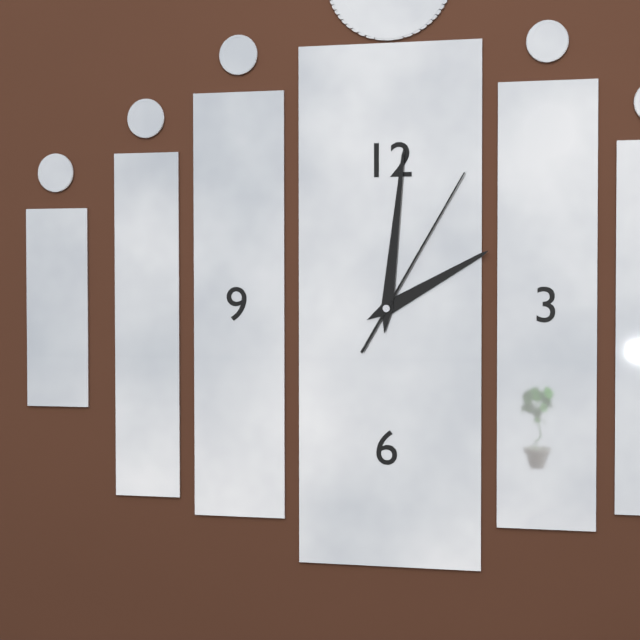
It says 2.01.05
